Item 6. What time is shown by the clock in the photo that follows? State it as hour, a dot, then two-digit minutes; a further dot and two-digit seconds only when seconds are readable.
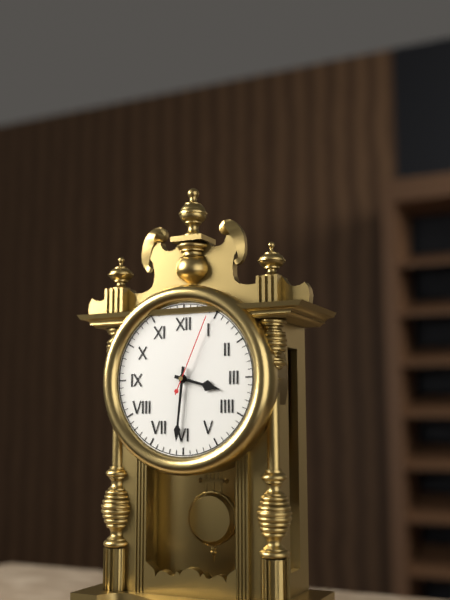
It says 3.31.04
